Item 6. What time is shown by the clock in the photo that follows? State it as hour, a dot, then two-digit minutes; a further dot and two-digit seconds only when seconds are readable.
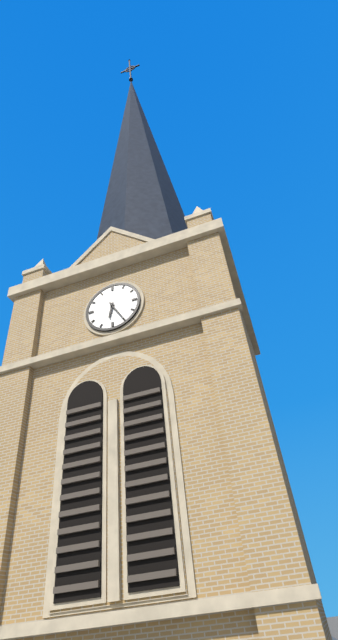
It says 6.25
